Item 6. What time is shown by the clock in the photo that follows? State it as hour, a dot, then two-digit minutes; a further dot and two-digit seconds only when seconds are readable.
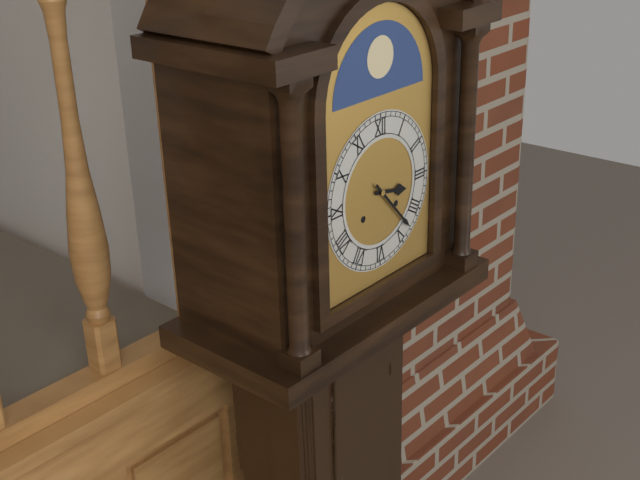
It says 3.23
